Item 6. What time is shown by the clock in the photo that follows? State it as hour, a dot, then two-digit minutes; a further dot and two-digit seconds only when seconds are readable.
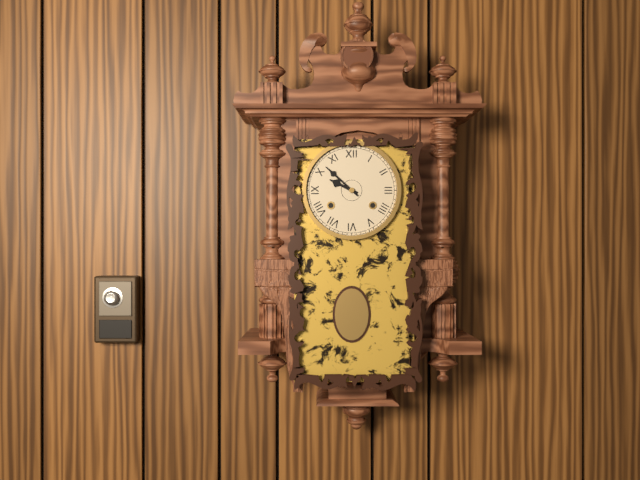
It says 9.52
